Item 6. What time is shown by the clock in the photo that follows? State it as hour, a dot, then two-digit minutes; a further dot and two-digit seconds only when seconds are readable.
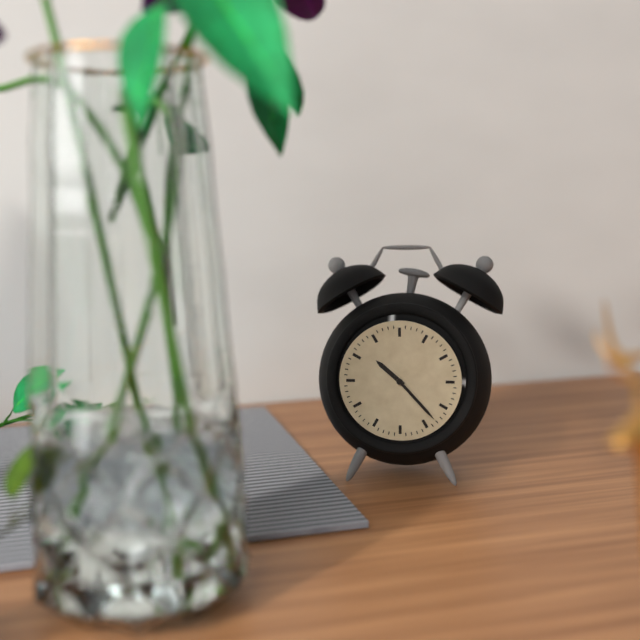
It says 10.23
